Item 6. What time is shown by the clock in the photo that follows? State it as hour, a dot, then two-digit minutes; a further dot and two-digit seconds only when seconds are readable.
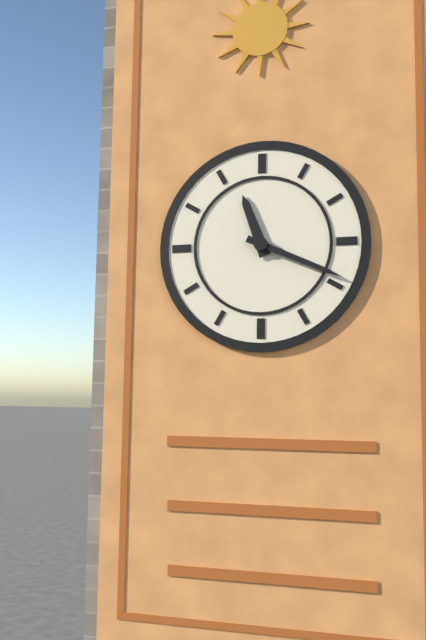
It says 11.19
